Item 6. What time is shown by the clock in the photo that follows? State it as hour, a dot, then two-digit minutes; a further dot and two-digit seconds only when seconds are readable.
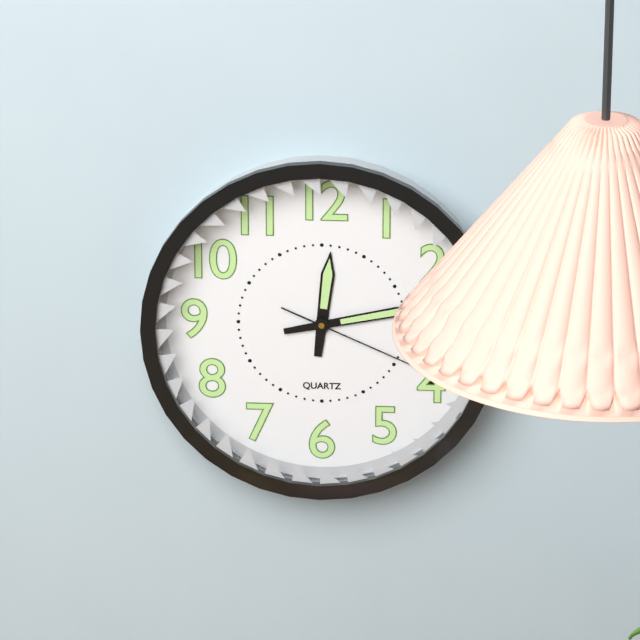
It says 12.13.19
